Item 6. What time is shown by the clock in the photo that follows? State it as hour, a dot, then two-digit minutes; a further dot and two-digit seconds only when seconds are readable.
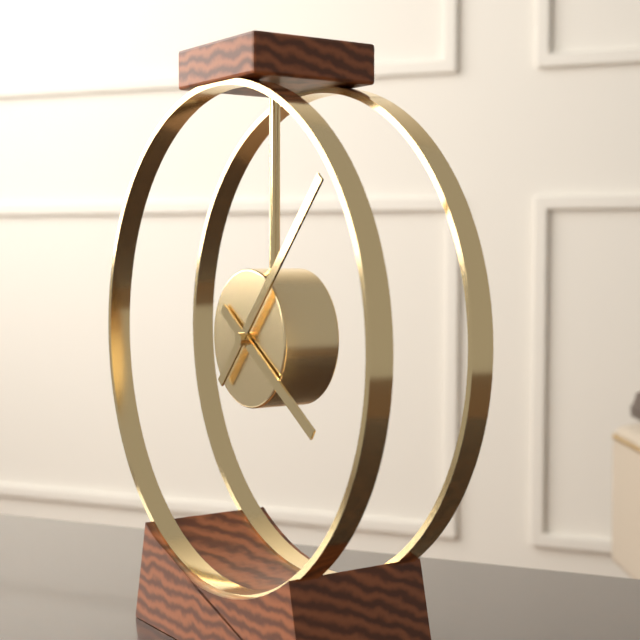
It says 4.07
